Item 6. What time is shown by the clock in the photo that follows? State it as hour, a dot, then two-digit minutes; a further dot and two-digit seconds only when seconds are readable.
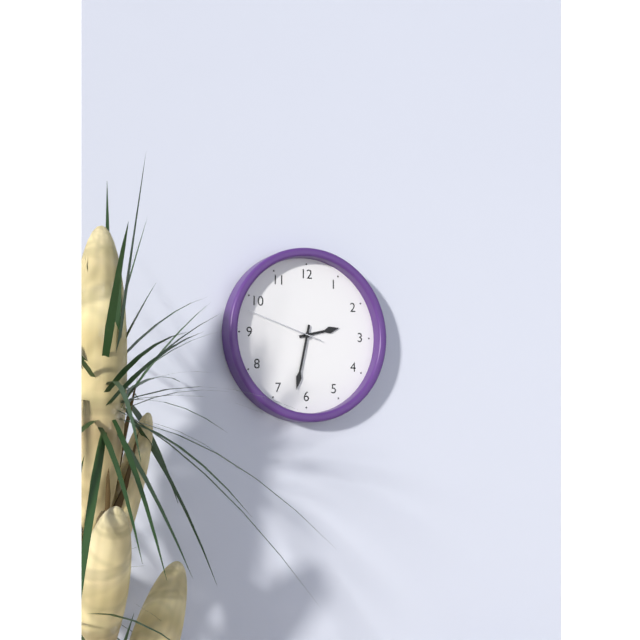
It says 2.32.48
